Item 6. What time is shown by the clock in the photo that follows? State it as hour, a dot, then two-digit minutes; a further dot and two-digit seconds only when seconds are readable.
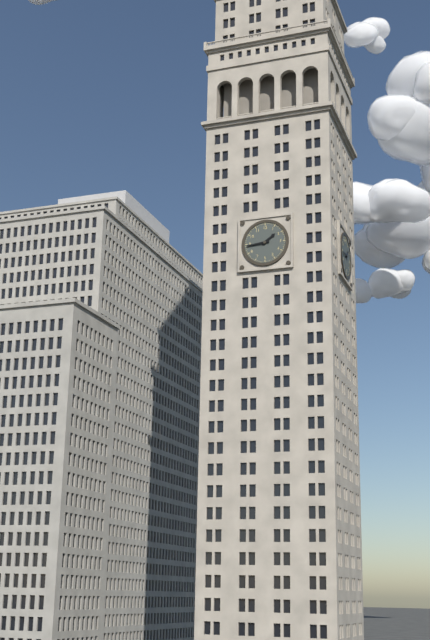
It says 1.44
